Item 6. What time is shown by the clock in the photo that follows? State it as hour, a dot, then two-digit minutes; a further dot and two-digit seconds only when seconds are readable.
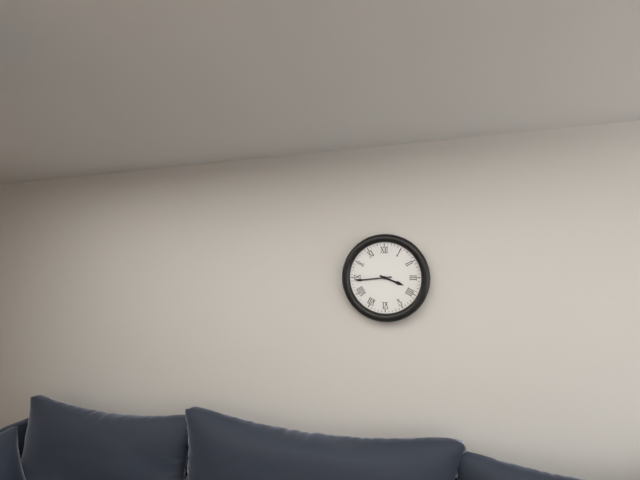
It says 3.44
